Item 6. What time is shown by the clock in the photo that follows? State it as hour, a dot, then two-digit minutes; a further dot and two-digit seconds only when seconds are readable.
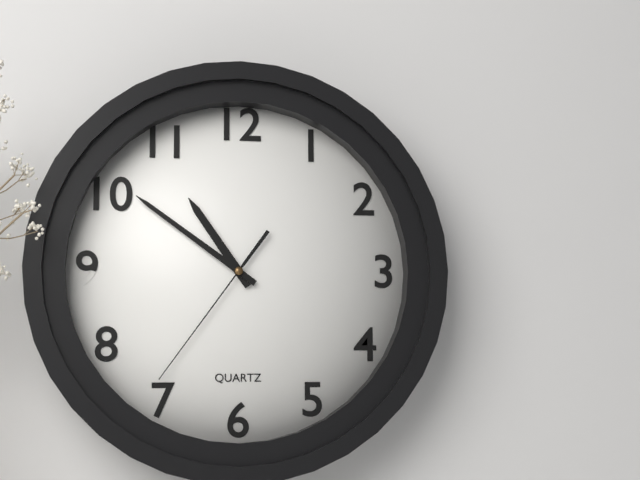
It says 10.51.36
